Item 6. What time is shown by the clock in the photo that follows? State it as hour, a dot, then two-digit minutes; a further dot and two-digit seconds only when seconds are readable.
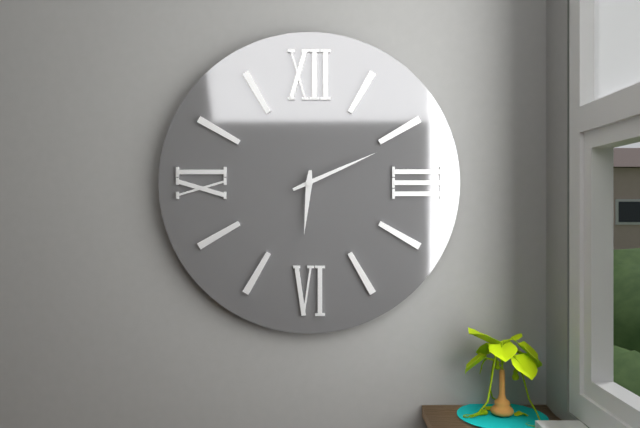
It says 6.11
